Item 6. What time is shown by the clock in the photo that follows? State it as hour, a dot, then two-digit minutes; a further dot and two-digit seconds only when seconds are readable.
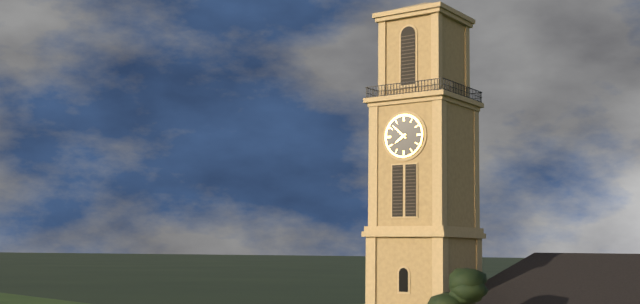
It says 7.52
